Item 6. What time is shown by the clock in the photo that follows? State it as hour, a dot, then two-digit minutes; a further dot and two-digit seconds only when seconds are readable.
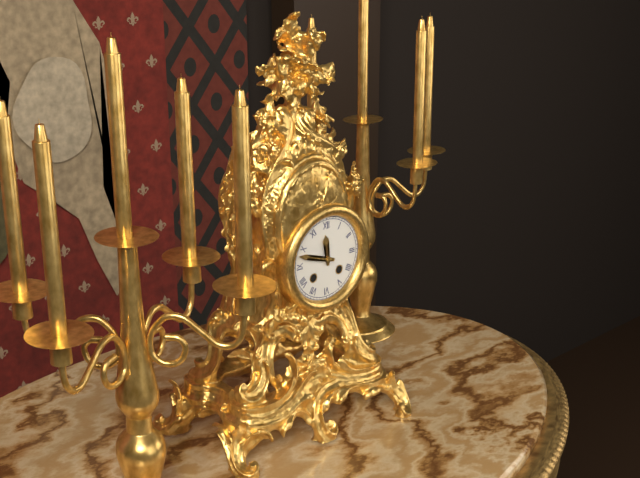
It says 11.48
